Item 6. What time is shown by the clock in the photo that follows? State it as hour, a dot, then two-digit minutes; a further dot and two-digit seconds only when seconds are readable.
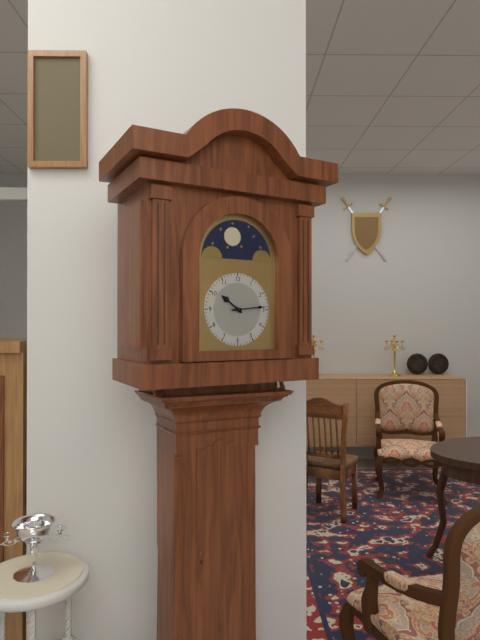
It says 10.14
